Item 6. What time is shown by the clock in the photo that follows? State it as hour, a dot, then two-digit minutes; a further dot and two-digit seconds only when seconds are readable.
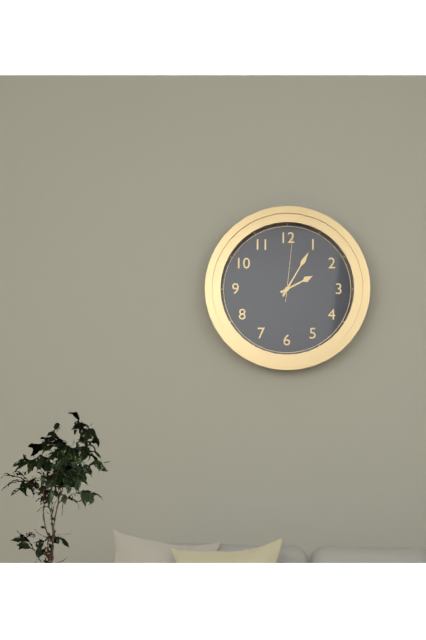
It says 2.05.01
